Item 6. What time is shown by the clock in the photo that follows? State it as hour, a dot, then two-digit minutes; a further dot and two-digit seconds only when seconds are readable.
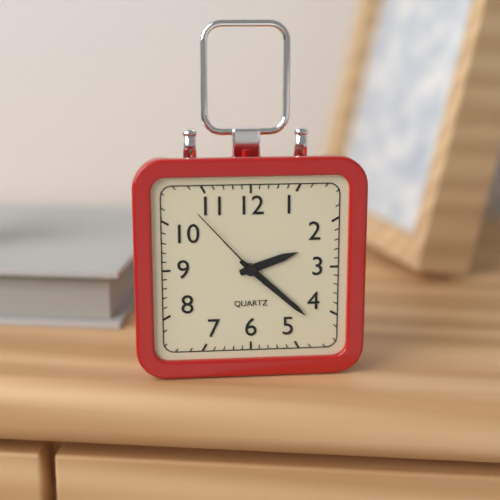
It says 2.22.53
